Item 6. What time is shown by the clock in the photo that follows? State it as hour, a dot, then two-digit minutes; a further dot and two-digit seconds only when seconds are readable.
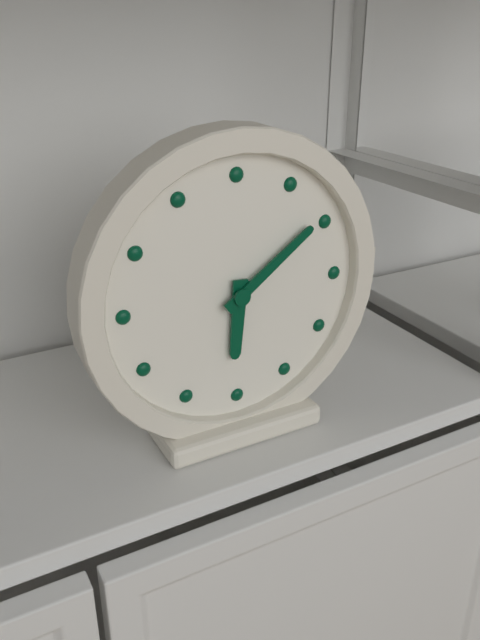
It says 6.09
